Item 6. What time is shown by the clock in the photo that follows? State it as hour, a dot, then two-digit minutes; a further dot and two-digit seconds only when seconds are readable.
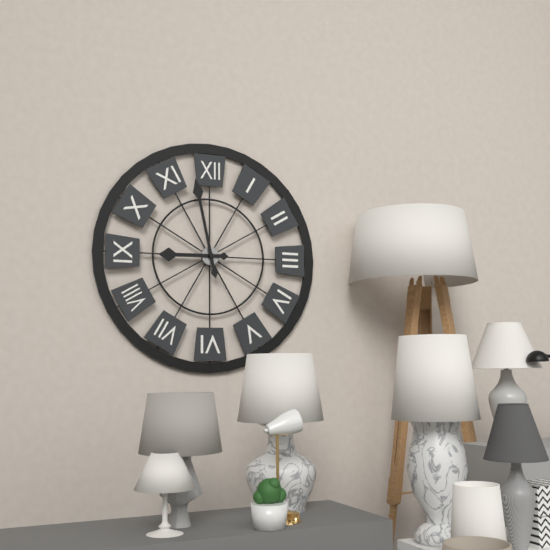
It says 8.58
